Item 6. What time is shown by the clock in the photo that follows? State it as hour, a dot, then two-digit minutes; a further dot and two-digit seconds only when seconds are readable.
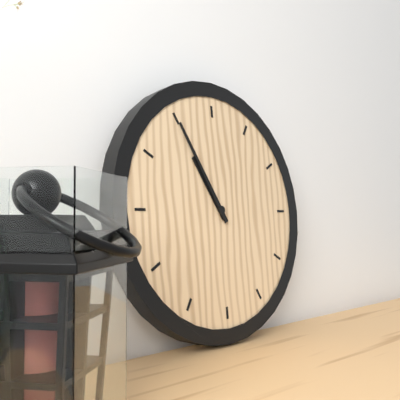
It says 10.55
